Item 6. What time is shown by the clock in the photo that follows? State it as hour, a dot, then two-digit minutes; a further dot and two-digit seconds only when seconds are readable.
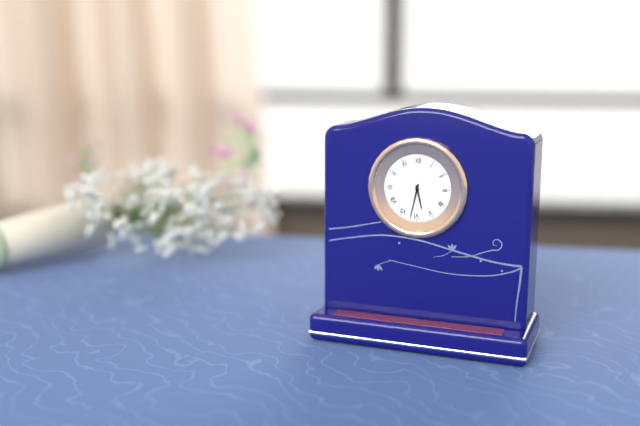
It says 5.32
